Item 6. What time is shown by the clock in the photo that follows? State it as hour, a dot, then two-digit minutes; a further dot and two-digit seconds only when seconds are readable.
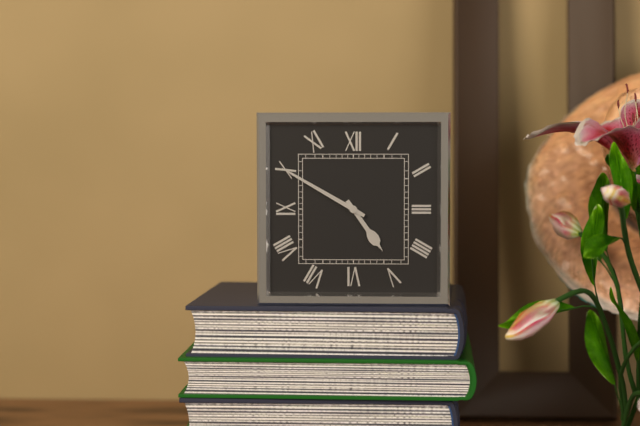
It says 4.50
